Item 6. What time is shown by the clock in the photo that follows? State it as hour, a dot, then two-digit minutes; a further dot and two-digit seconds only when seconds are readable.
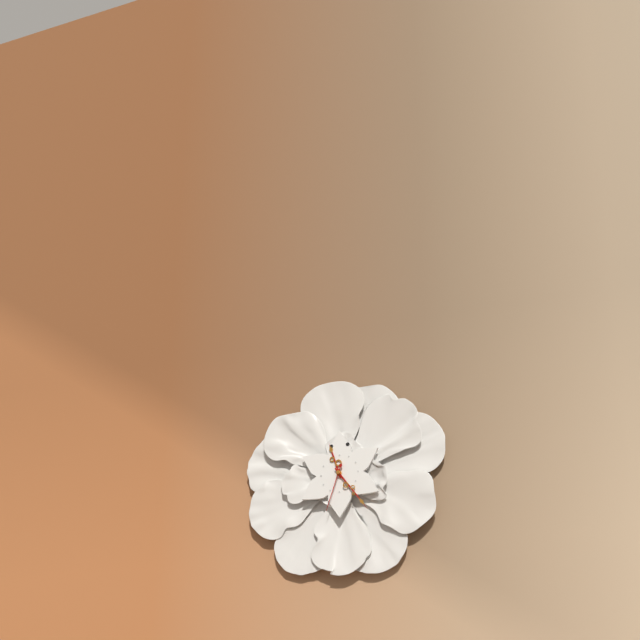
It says 11.24.33
